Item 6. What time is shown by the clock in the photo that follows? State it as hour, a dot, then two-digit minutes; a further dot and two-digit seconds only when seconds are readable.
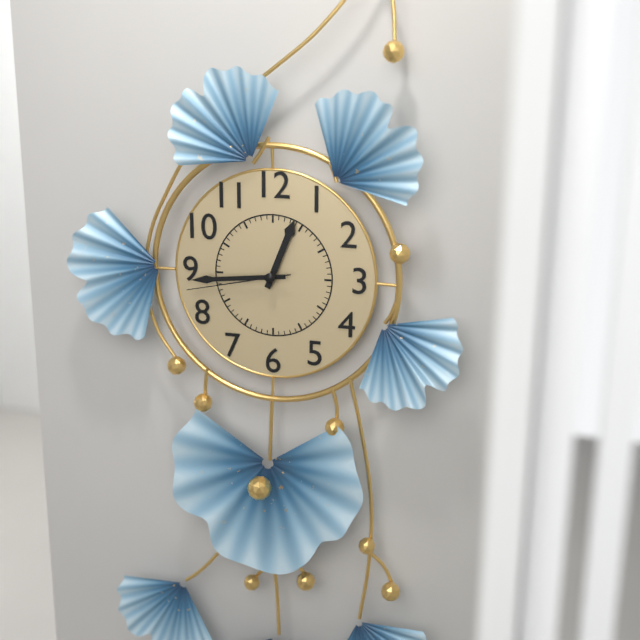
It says 12.44.43
